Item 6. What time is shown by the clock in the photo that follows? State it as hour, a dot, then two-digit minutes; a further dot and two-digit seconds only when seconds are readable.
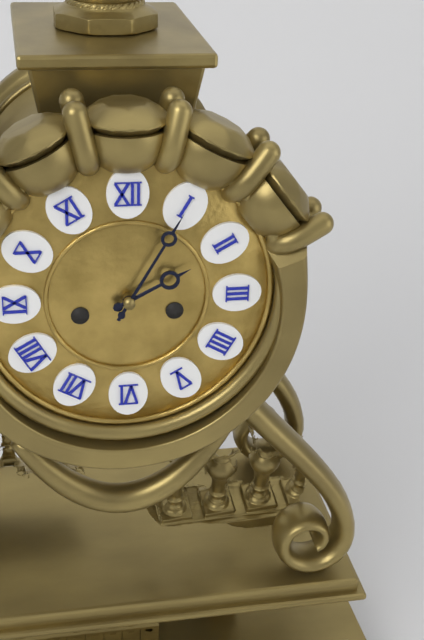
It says 2.05
